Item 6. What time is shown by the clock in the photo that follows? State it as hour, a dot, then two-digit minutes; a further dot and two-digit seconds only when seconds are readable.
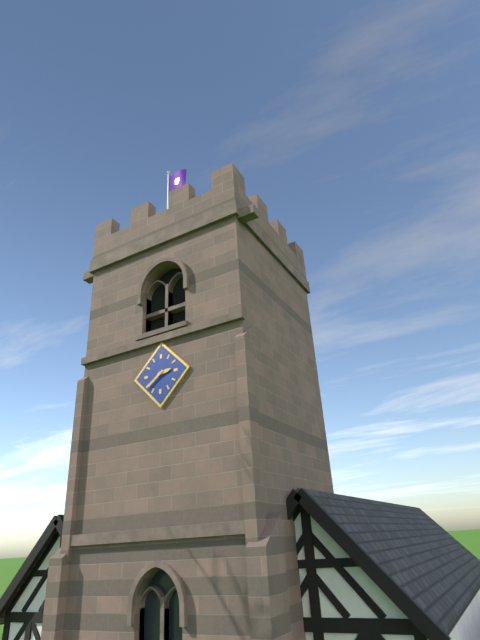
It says 2.39
